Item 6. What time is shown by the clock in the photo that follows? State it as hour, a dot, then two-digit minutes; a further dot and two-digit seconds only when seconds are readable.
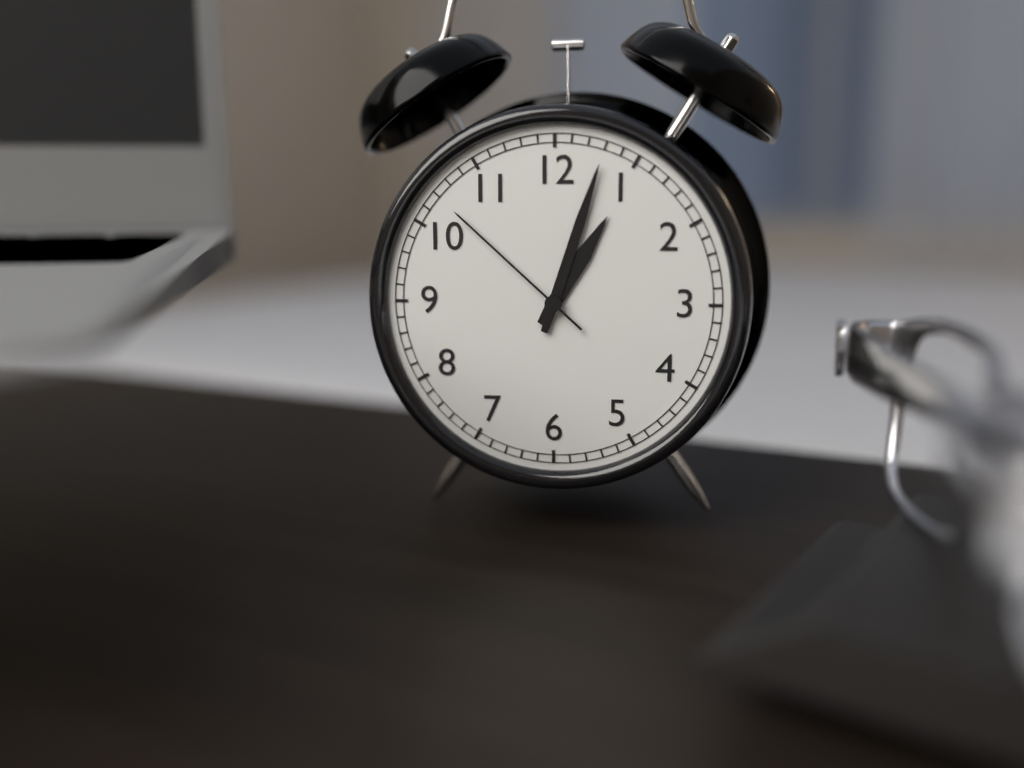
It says 1.03.52
